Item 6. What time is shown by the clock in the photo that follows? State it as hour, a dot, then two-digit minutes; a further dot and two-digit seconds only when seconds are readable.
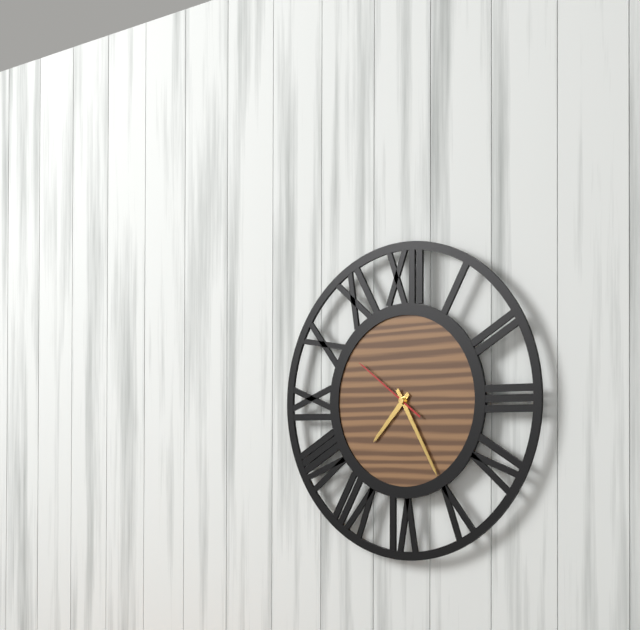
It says 7.25.51
